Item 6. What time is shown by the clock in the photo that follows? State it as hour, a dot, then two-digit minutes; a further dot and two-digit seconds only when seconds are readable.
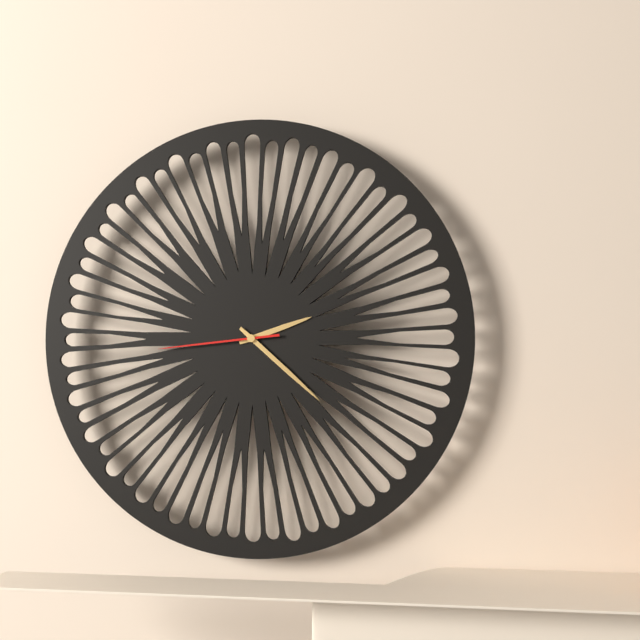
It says 2.22.44
